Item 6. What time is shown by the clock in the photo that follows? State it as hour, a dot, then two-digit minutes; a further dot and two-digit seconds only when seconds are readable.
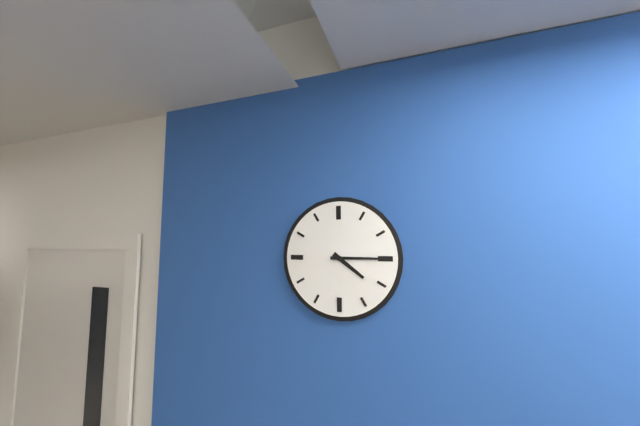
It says 4.15
